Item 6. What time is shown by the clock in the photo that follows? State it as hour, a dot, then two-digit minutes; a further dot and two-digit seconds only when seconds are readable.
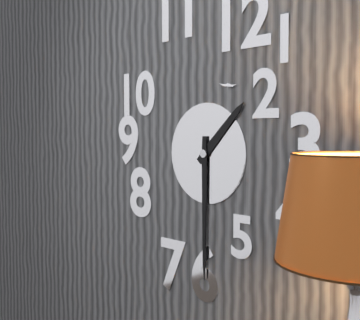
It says 1.30
